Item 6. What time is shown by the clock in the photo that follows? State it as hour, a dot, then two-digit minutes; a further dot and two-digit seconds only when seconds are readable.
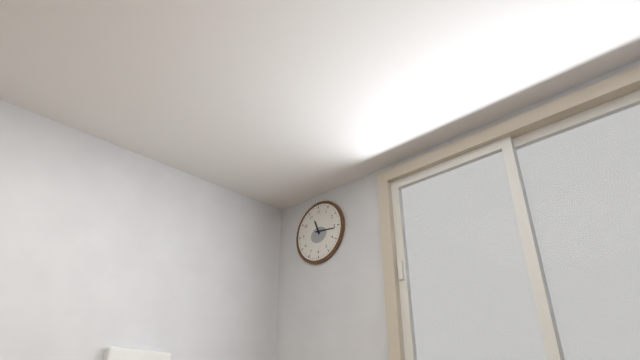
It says 11.16
